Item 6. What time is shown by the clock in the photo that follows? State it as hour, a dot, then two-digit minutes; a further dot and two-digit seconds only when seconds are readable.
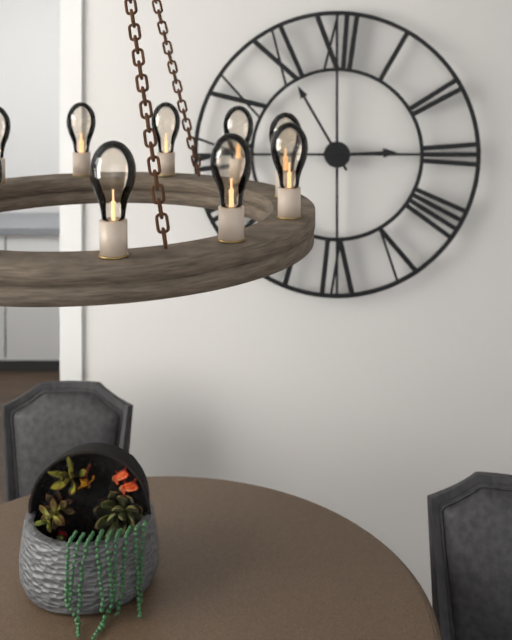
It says 2.55
